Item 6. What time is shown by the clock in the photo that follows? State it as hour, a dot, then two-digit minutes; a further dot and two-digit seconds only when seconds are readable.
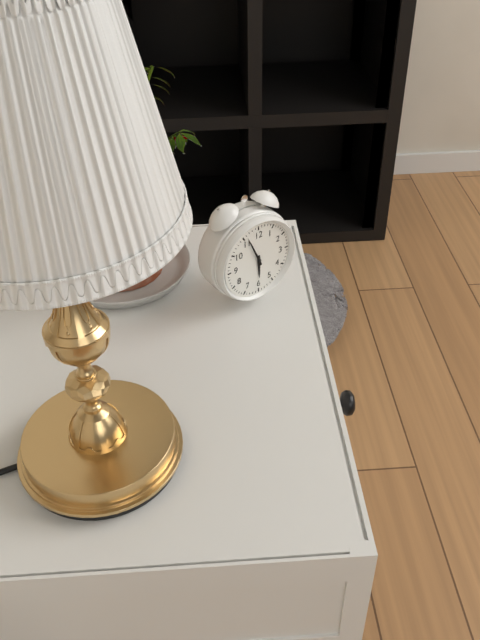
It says 5.56
